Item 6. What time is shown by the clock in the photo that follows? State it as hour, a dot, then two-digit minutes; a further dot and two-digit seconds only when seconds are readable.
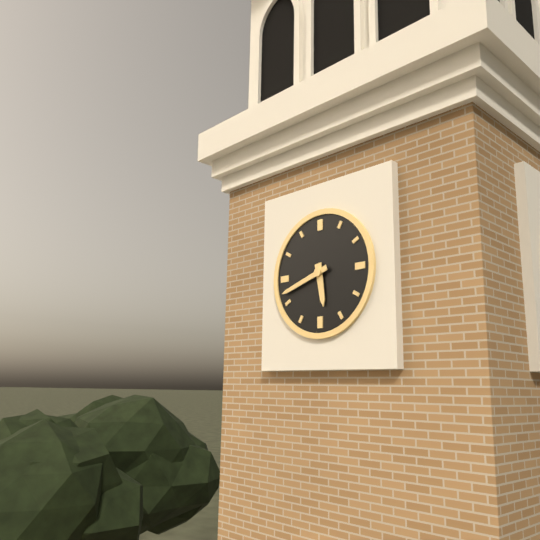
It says 5.42
